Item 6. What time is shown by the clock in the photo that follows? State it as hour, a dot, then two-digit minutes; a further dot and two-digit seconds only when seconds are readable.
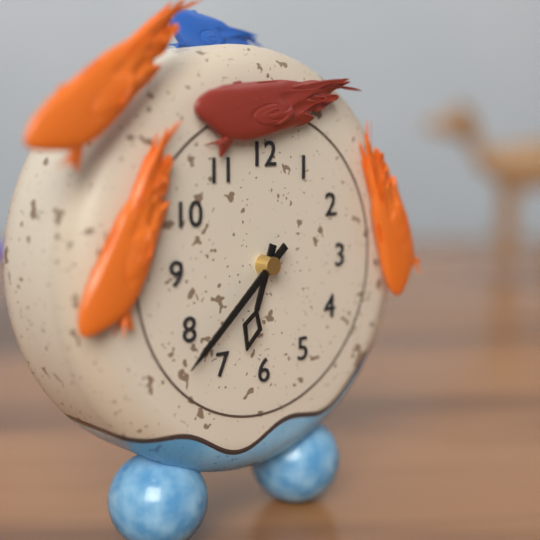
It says 6.38
